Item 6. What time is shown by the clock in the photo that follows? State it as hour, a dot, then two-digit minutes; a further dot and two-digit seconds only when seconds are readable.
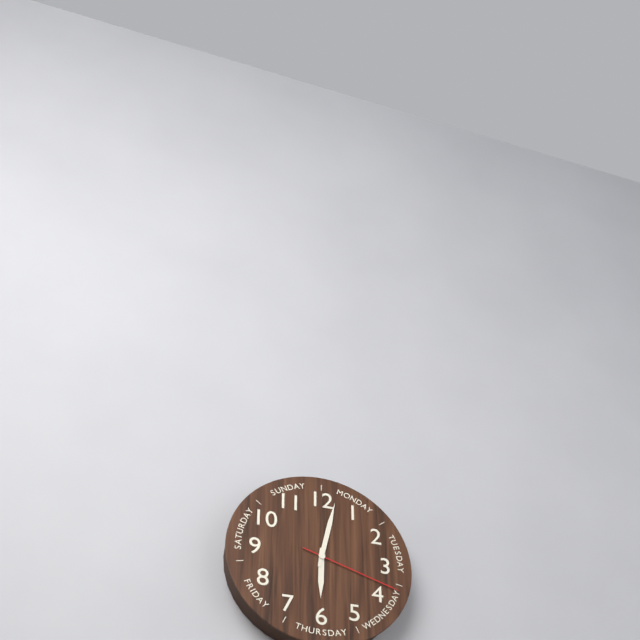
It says 6.02.18
